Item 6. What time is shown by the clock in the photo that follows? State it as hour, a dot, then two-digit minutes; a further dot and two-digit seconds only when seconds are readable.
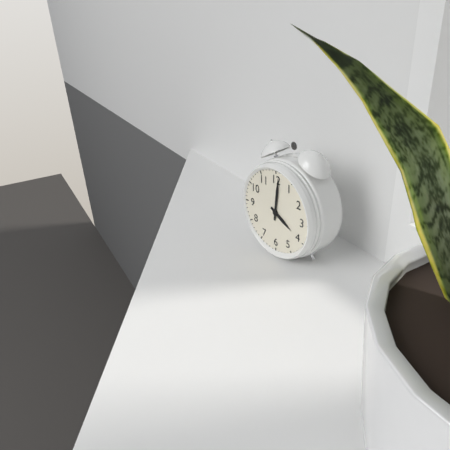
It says 4.01
